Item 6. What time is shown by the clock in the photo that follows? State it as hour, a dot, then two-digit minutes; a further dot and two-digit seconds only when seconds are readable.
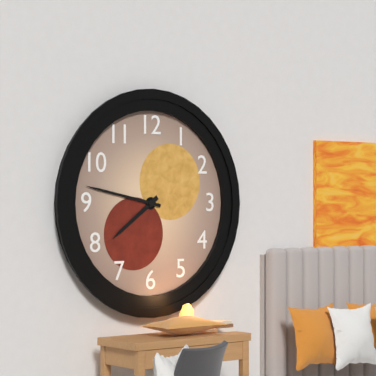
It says 7.47
